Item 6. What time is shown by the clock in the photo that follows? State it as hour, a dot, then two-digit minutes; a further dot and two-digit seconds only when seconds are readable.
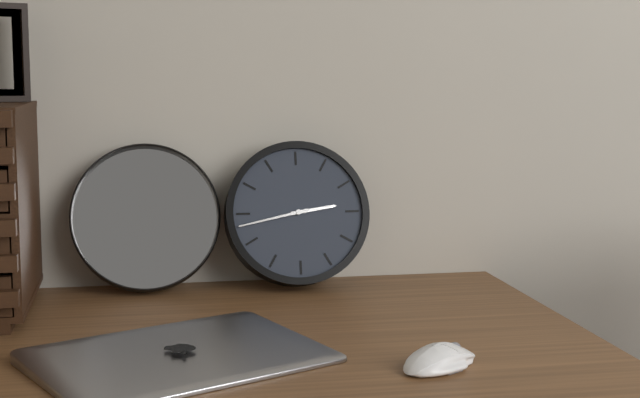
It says 2.43
